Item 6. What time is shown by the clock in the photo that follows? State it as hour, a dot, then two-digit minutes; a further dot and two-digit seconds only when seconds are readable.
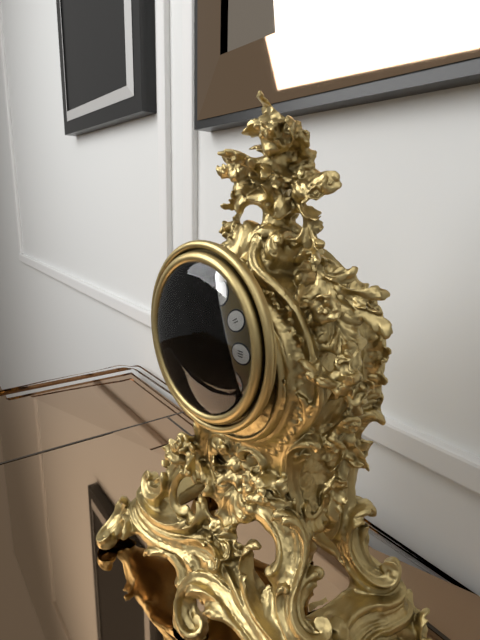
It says 6.37.19
